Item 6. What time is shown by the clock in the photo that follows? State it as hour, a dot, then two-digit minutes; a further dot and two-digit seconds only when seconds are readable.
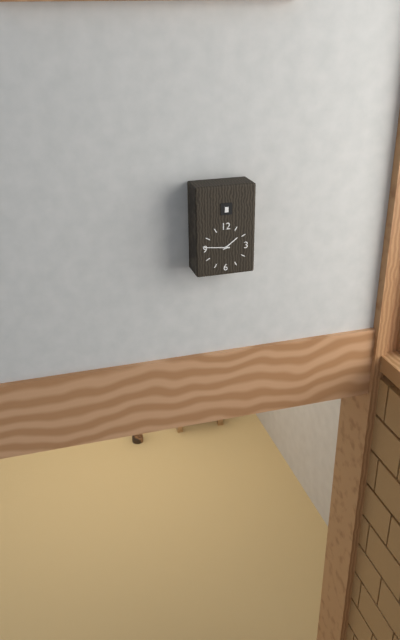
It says 1.46
